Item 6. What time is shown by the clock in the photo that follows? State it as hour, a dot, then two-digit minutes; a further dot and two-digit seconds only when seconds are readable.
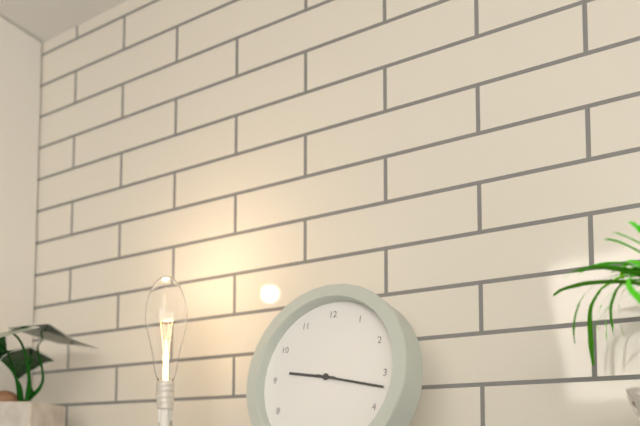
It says 9.17
